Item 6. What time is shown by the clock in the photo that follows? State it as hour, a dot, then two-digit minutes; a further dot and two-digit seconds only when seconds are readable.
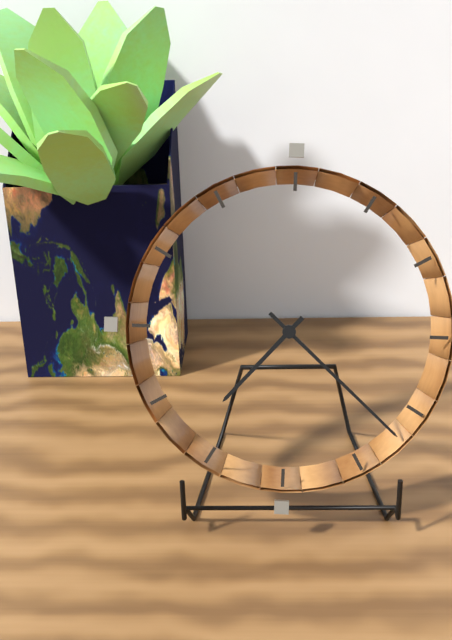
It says 7.22
